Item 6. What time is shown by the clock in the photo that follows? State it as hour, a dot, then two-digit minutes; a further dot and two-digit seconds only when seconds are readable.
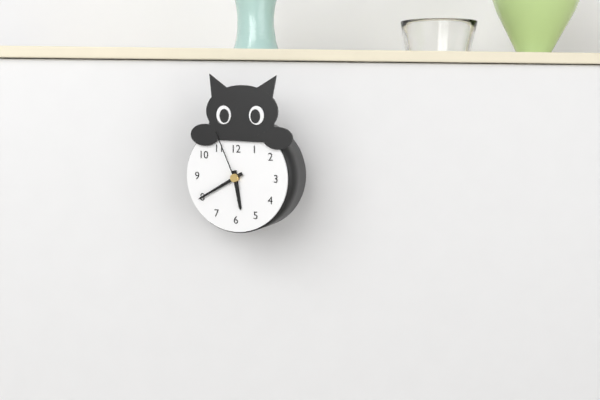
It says 5.40.56
